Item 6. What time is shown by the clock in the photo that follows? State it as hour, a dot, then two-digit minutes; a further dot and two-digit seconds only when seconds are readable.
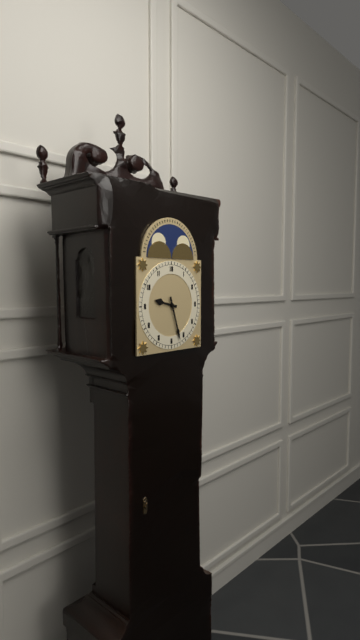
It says 9.27
